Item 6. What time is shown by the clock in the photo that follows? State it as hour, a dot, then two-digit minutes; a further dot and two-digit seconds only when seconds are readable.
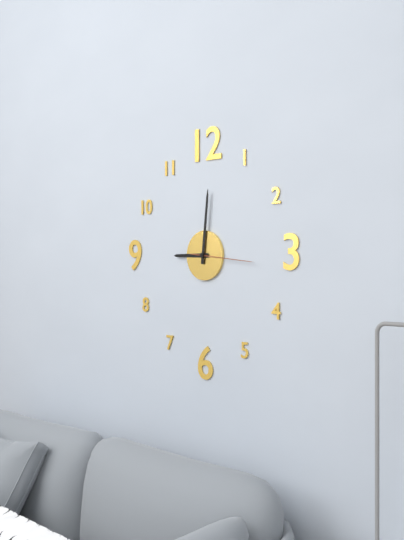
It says 9.01.16
